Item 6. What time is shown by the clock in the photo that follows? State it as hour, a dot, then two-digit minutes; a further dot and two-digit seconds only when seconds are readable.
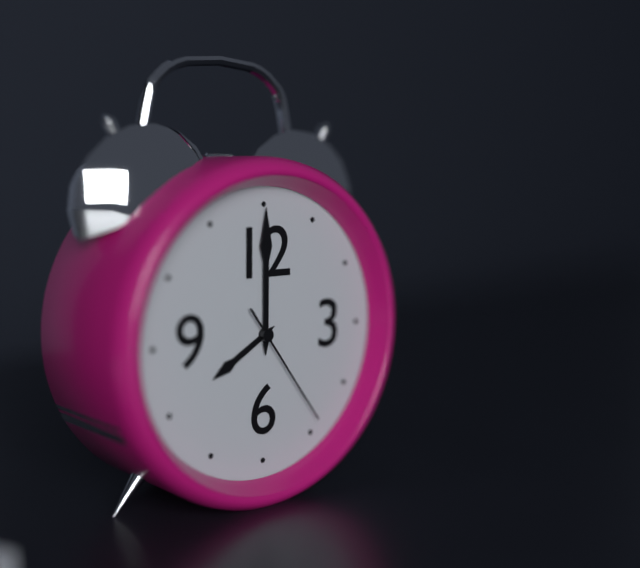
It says 8.00.24
